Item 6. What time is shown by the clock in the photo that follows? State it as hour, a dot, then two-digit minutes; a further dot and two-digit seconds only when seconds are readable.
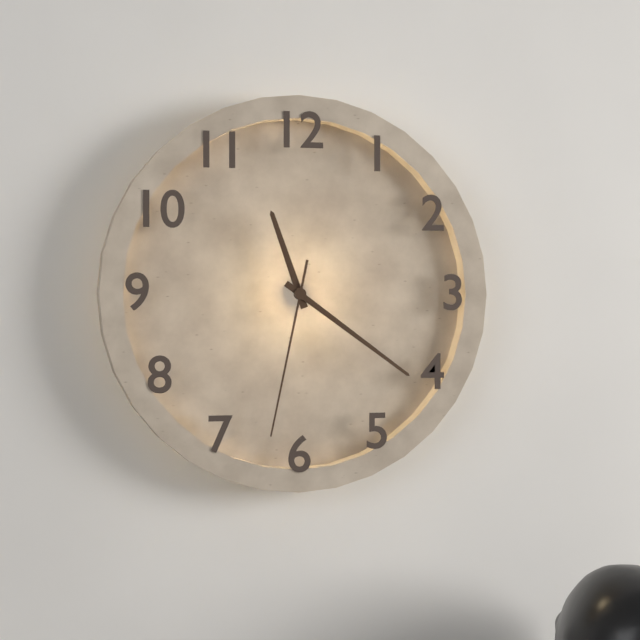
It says 11.21.32
